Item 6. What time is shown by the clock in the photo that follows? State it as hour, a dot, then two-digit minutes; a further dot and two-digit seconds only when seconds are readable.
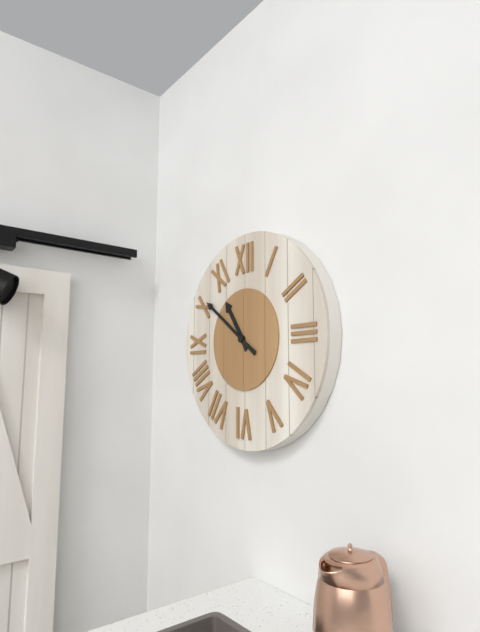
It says 10.51
